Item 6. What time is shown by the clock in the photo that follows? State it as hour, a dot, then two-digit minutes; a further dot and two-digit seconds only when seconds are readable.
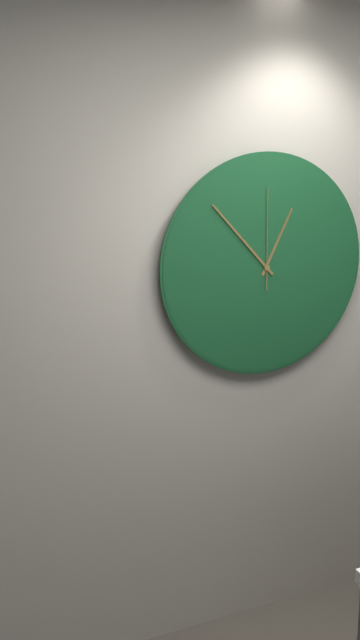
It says 12.53.00
